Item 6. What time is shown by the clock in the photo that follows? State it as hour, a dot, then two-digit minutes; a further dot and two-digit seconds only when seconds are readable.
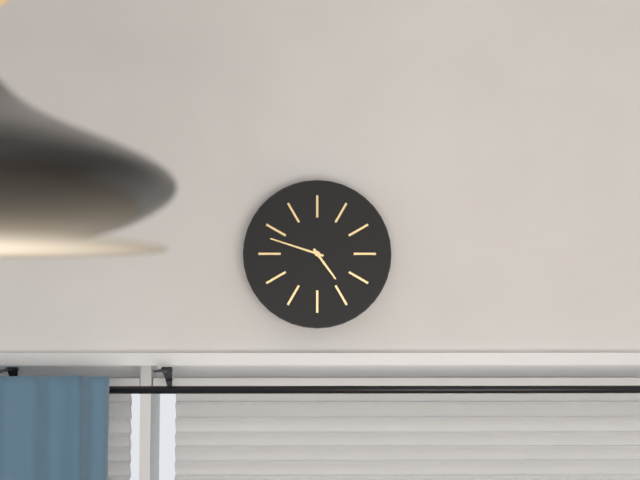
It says 4.48
